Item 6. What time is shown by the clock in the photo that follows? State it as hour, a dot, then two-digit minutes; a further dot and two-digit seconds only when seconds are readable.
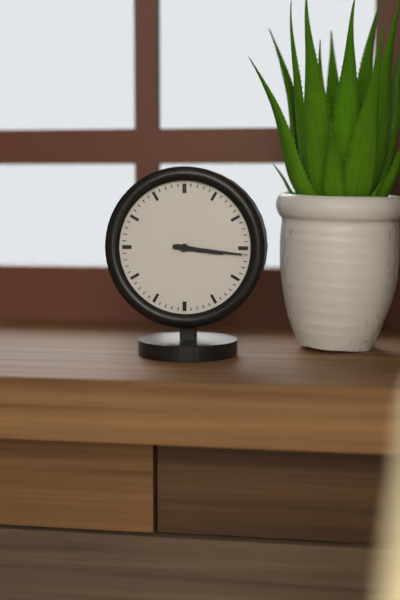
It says 3.16
